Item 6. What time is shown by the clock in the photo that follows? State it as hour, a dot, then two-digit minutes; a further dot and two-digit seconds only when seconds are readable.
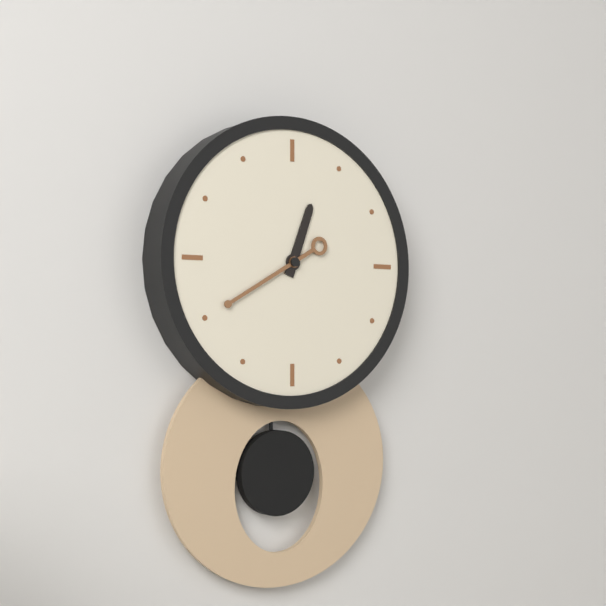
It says 12.40
